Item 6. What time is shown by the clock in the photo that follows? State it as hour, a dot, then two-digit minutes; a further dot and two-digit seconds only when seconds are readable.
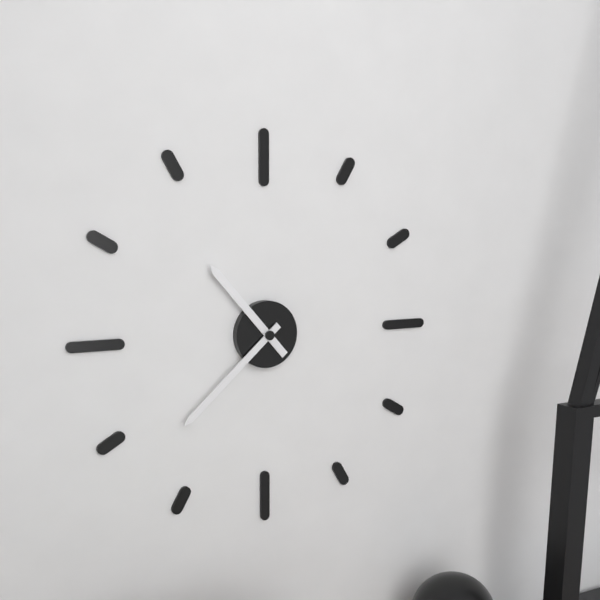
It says 10.38
